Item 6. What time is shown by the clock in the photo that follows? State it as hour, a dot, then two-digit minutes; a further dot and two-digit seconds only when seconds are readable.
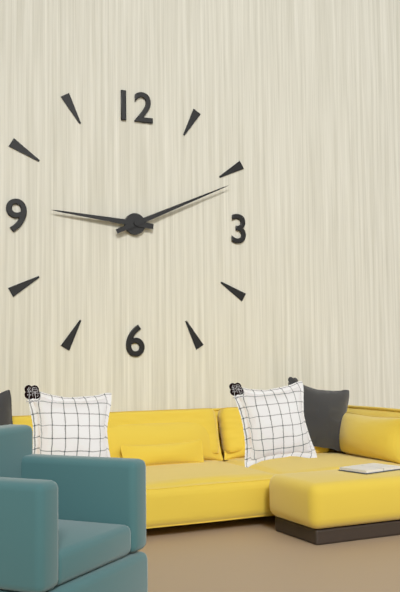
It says 9.11
